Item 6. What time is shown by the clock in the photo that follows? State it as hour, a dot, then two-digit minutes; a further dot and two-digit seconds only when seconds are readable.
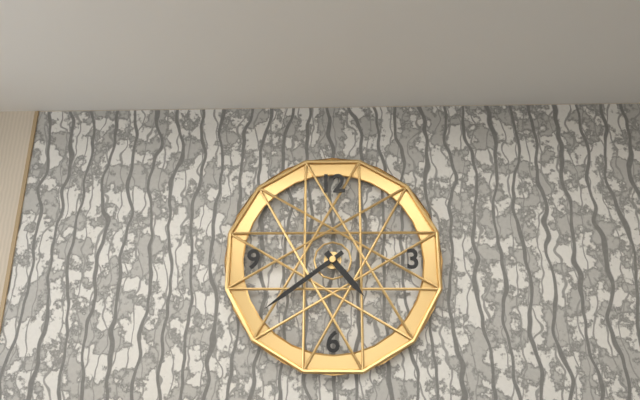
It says 4.39
